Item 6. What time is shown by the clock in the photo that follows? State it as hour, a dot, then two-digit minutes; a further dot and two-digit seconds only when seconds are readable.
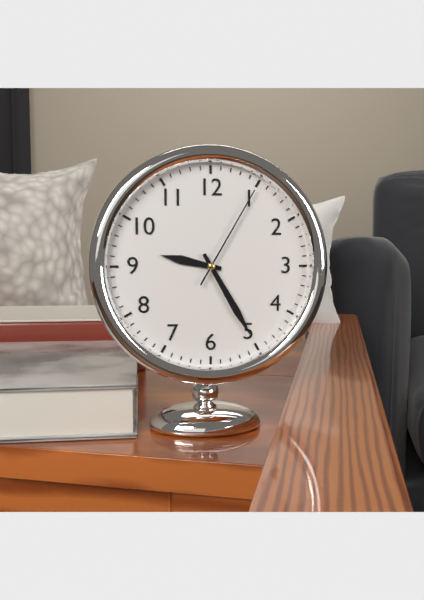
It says 9.25.05
